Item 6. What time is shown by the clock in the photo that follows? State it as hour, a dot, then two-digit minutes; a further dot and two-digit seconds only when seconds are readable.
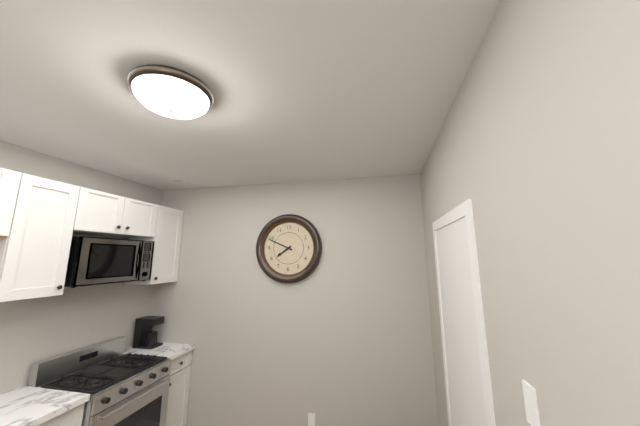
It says 7.49
